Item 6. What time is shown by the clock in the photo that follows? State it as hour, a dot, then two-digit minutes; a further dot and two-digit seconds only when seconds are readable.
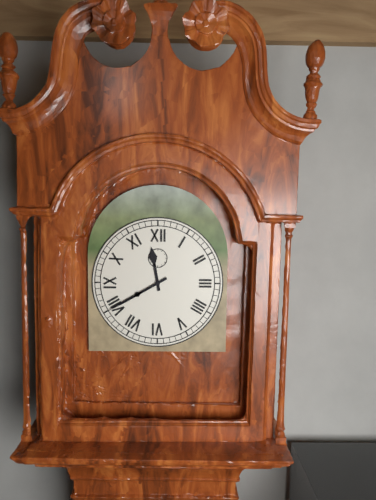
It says 11.40
